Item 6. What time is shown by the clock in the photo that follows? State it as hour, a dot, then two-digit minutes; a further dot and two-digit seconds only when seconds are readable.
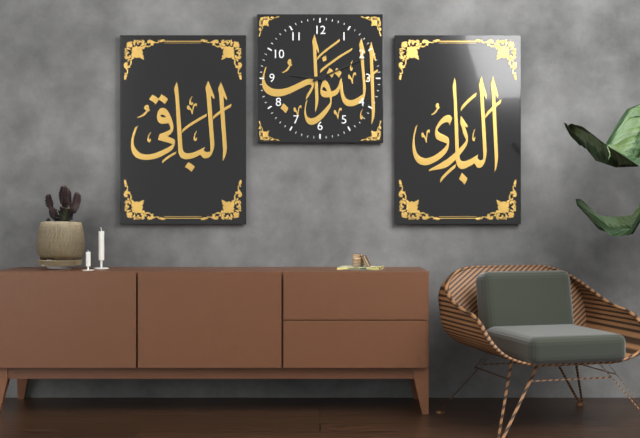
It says 9.11
